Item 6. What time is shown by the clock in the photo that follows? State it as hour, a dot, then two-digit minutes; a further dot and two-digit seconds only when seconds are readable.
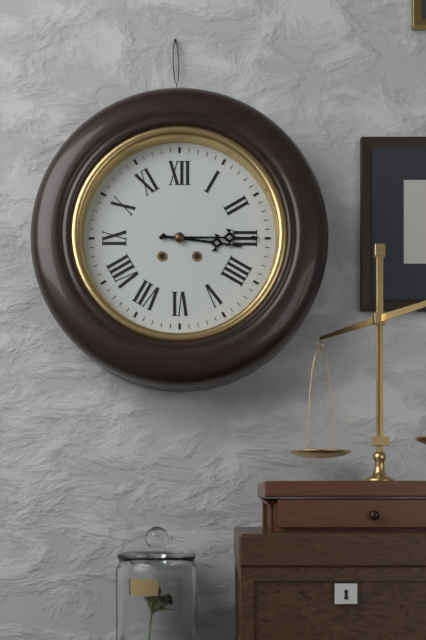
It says 3.15
